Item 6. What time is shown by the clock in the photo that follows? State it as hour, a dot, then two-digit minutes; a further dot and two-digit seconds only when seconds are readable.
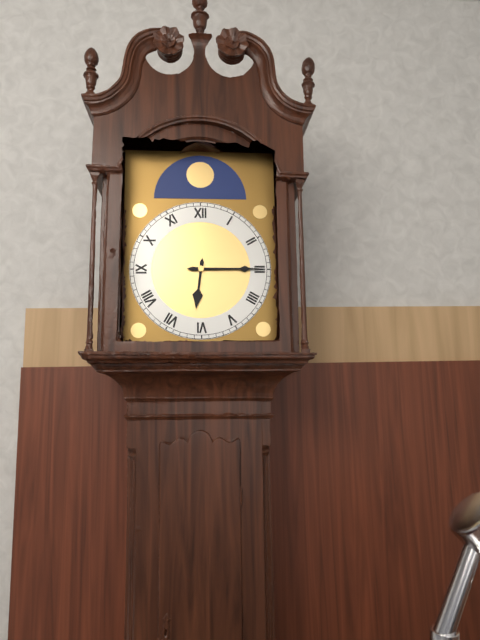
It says 6.15
